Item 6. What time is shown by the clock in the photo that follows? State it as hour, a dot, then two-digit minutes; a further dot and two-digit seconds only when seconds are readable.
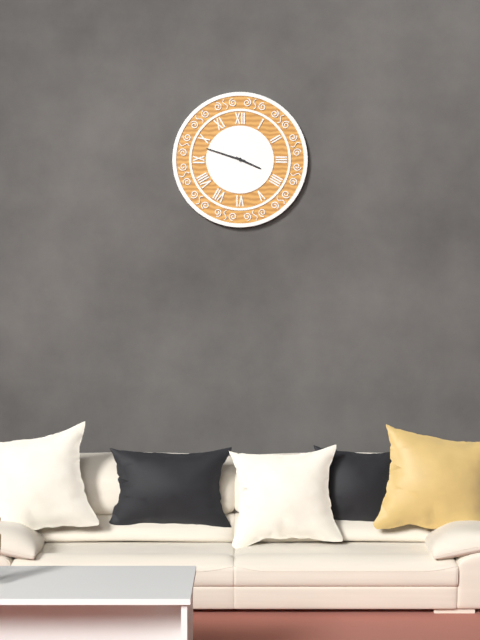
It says 3.48
